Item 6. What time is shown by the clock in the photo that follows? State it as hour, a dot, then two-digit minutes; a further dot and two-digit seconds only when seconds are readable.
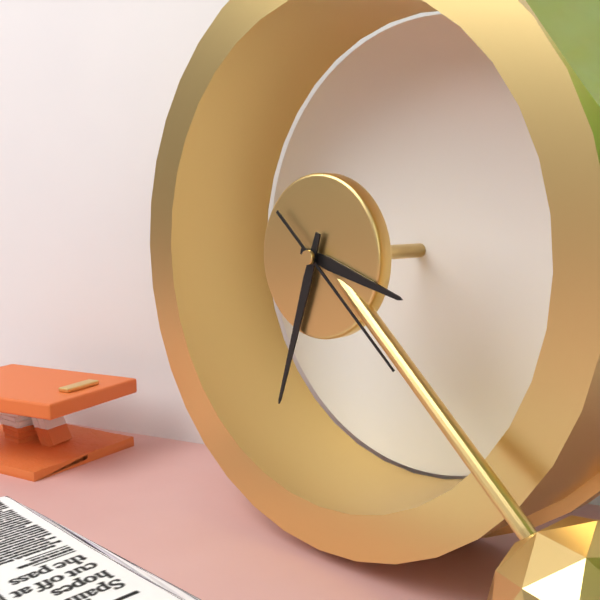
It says 3.33.22
